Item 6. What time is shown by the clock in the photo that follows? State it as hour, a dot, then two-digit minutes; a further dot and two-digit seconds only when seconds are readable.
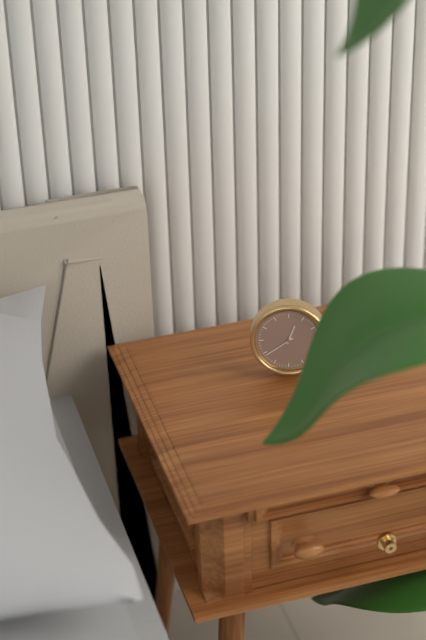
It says 12.39
